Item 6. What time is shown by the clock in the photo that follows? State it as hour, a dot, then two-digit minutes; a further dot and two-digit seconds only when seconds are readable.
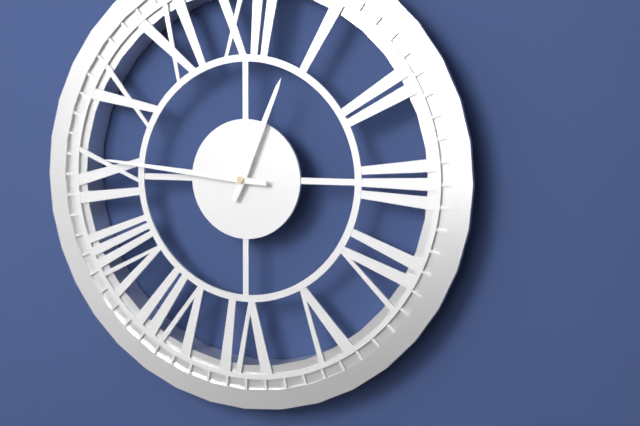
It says 12.46
